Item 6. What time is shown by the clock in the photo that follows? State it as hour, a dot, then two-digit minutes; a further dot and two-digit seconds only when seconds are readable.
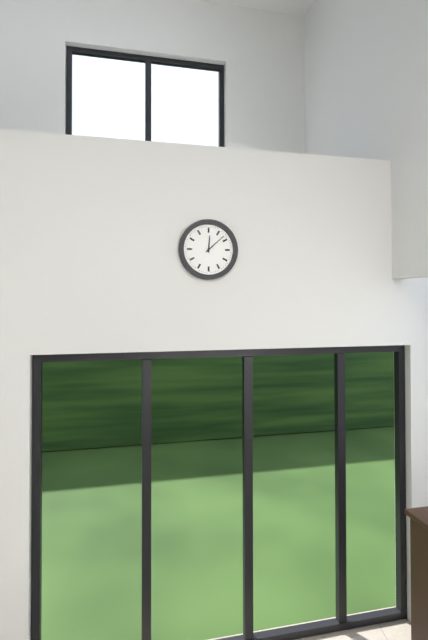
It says 12.08
